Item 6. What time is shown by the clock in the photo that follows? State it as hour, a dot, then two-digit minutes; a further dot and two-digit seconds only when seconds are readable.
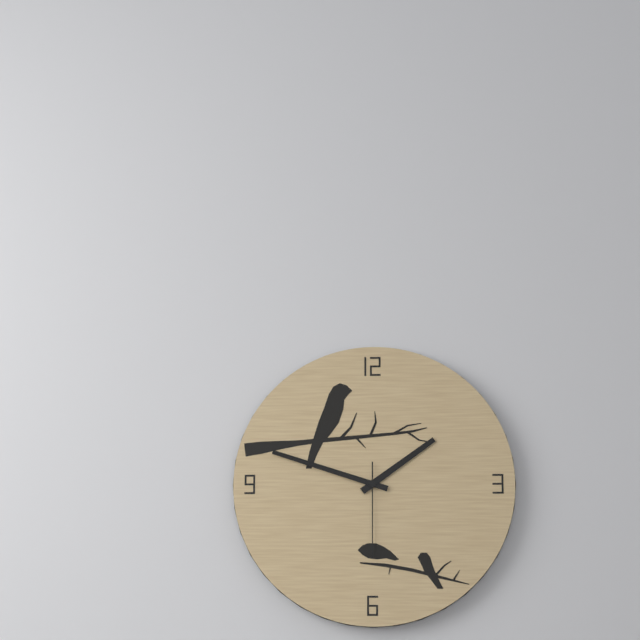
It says 1.48.30
